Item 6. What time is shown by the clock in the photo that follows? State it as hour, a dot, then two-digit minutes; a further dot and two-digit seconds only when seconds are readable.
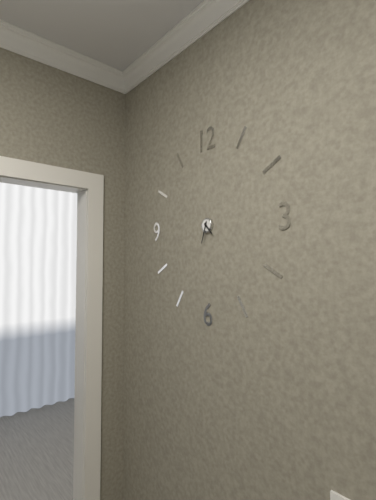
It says 4.33
